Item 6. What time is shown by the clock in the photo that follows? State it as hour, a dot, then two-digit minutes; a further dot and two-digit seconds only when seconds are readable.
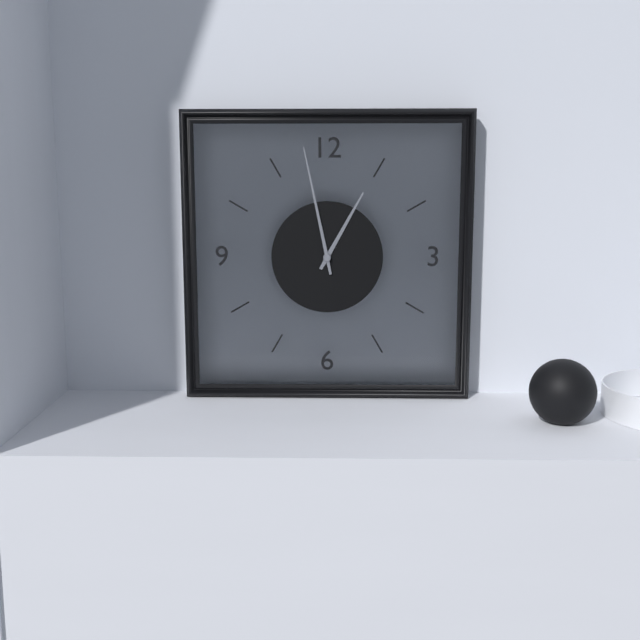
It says 12.58
